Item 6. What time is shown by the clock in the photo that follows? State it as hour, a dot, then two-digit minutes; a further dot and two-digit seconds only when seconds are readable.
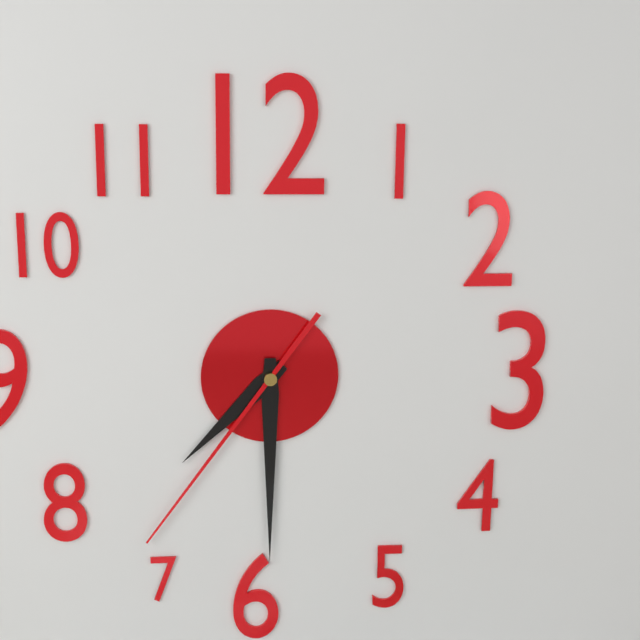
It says 7.30.36
